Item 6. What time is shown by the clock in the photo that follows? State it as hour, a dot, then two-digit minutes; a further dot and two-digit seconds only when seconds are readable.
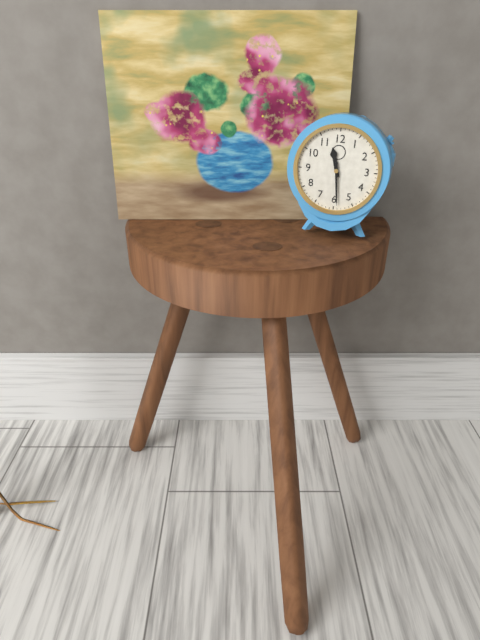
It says 11.29
